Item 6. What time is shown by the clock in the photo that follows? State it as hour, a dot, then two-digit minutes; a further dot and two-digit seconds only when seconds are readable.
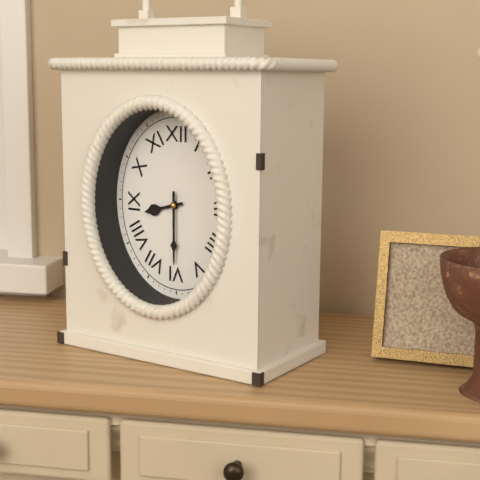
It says 8.30
